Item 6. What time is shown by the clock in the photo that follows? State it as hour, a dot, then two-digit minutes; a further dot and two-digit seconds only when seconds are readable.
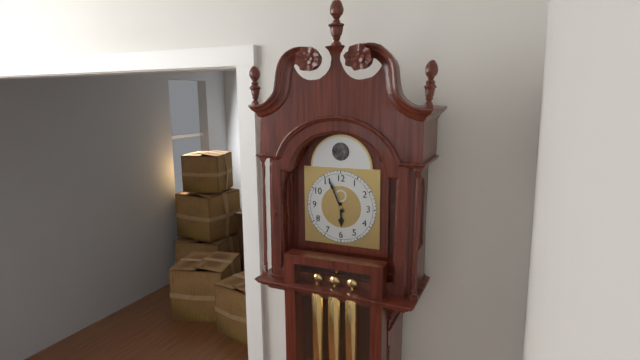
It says 5.56
